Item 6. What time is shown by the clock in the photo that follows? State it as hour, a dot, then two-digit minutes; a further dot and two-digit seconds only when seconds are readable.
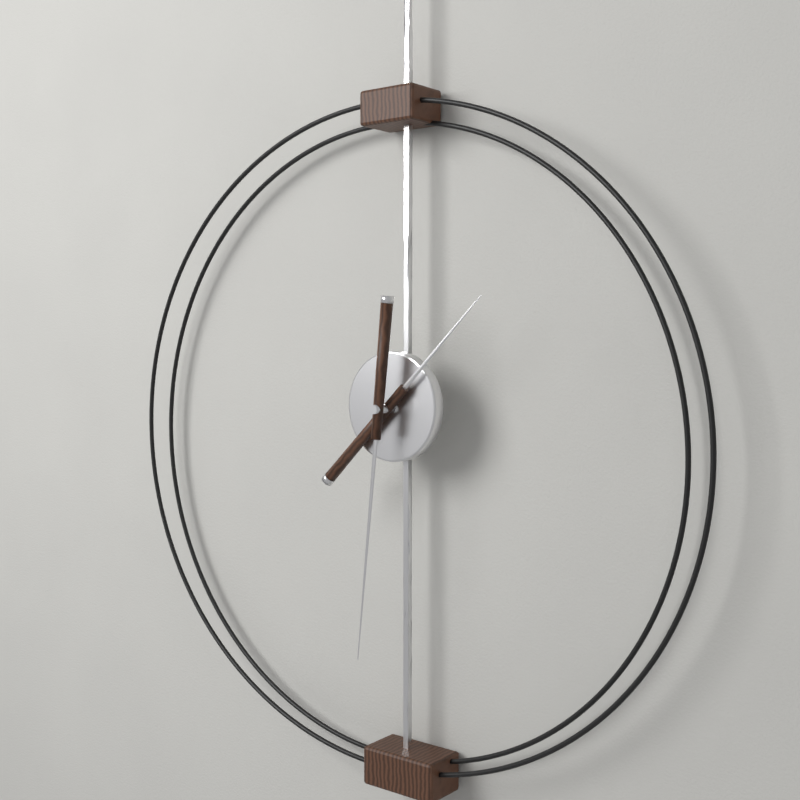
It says 1.31
